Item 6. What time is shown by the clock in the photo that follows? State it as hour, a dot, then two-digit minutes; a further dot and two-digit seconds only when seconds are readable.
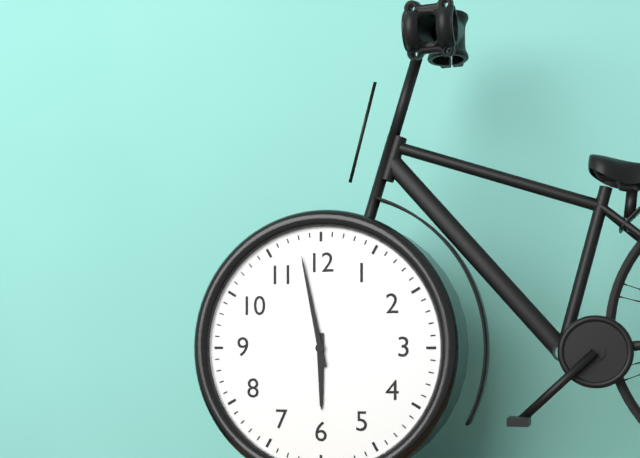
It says 5.58
